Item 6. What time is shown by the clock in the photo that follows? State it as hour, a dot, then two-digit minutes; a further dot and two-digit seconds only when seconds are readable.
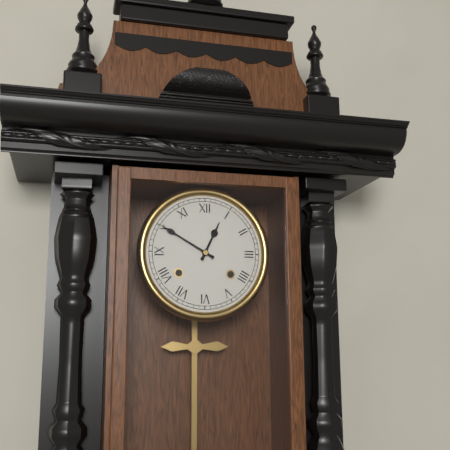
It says 12.50
